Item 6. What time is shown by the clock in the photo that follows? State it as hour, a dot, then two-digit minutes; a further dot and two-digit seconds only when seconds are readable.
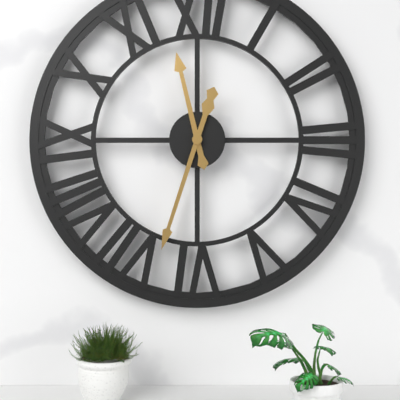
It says 11.33
